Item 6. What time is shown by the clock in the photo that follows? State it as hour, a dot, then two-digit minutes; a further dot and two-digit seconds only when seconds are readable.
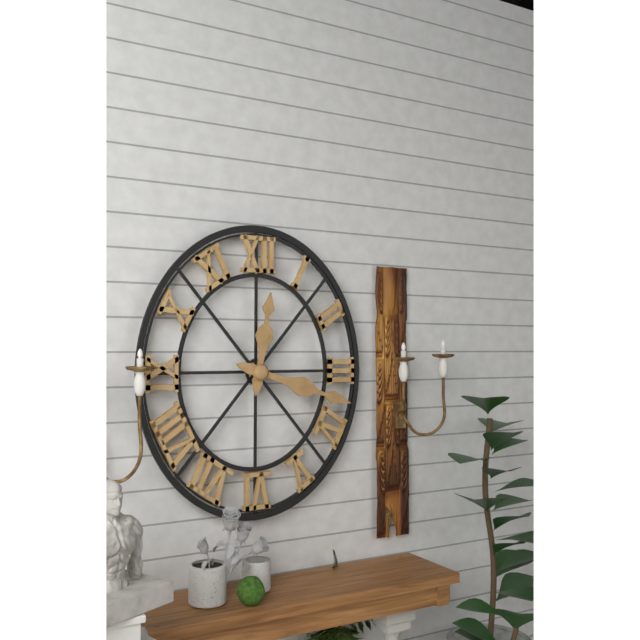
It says 12.18
